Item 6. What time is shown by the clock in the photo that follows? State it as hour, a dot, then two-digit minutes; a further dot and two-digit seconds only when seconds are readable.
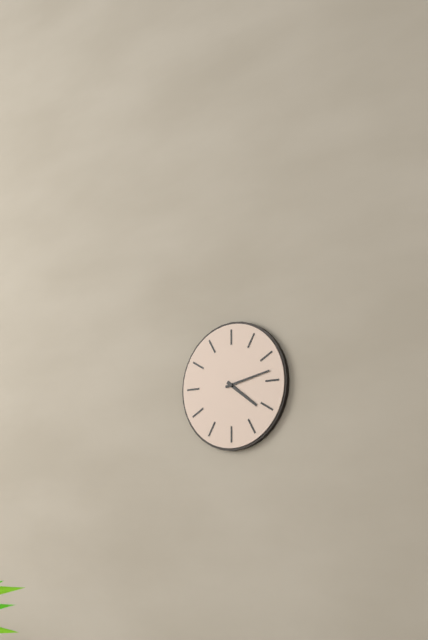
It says 4.13
